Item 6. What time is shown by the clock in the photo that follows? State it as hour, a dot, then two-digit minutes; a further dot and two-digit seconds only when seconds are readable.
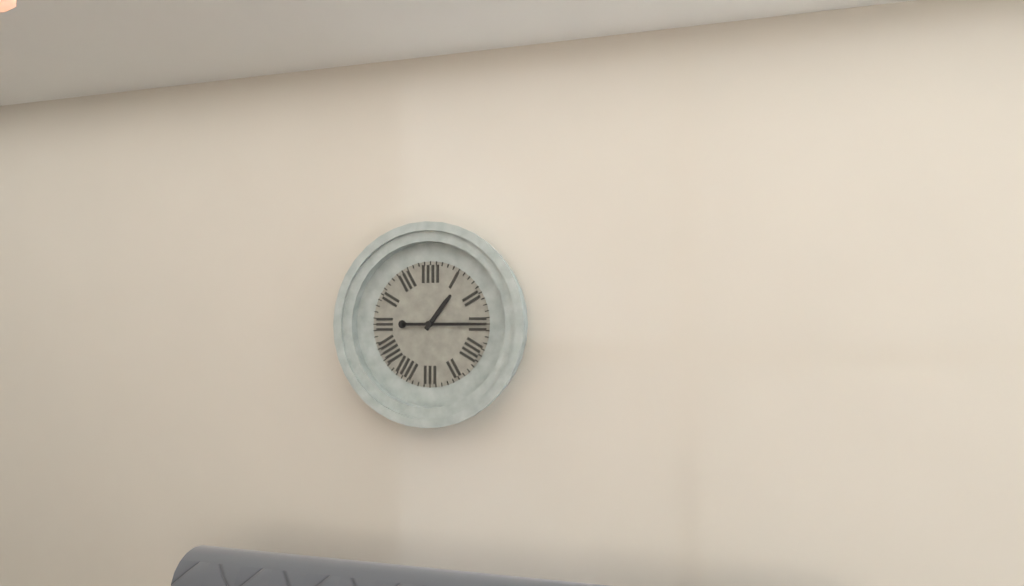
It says 1.15
